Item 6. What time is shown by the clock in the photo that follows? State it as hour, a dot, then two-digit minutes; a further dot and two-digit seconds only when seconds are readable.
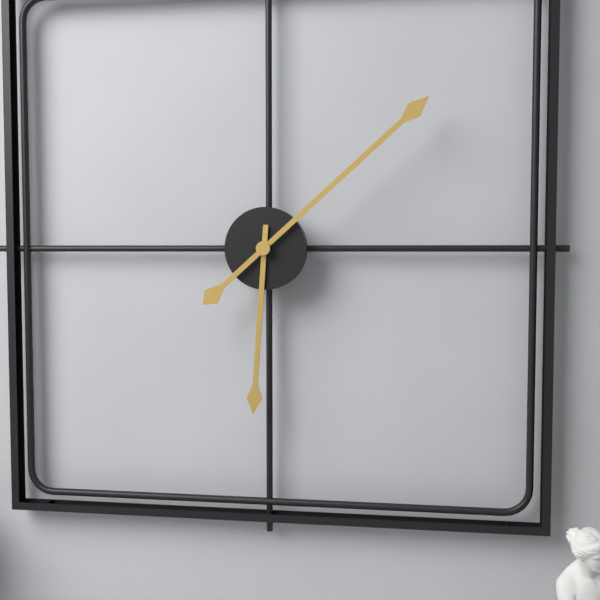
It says 6.08
